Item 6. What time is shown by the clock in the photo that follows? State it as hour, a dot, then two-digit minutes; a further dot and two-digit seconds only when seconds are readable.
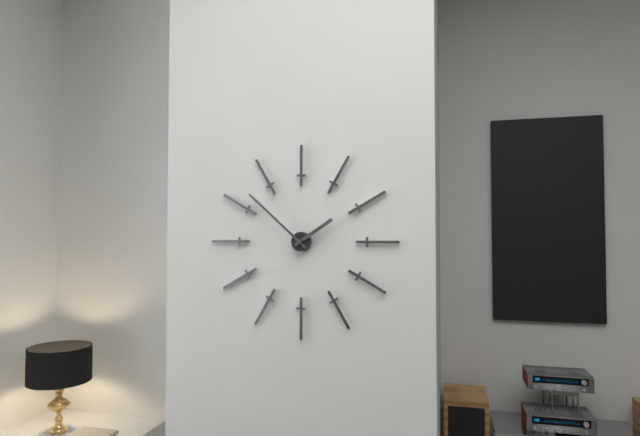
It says 1.52
